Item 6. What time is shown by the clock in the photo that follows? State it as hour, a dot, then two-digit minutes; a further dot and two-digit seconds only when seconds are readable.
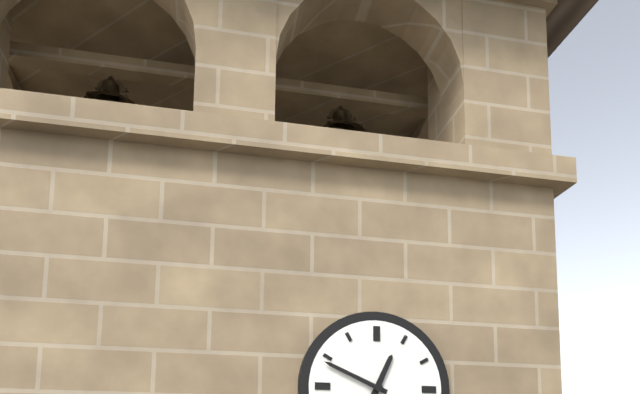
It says 12.49
